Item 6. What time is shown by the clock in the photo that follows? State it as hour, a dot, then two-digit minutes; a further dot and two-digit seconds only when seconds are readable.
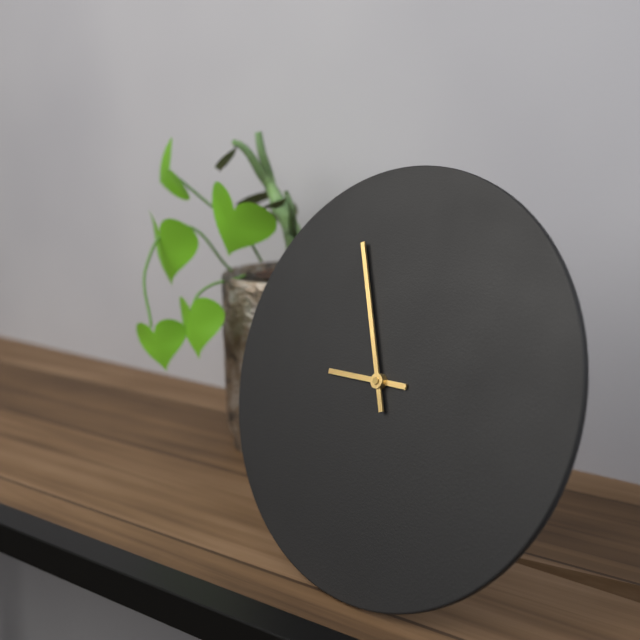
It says 8.56
